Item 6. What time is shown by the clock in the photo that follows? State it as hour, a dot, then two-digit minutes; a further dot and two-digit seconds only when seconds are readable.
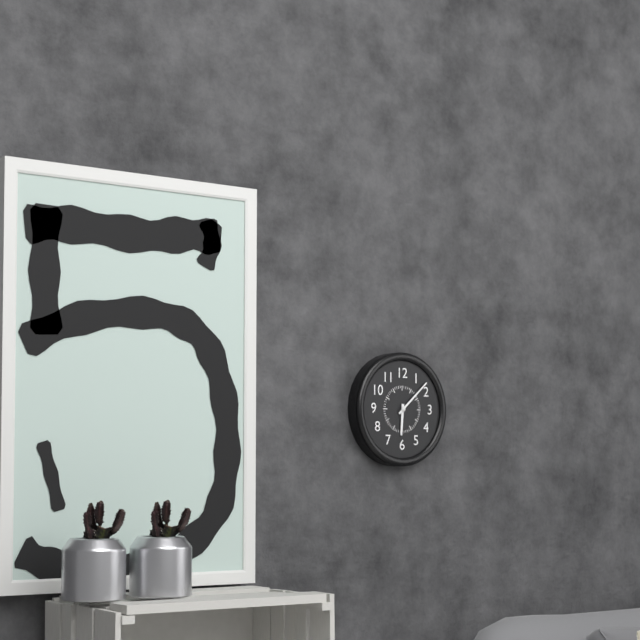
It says 6.08
